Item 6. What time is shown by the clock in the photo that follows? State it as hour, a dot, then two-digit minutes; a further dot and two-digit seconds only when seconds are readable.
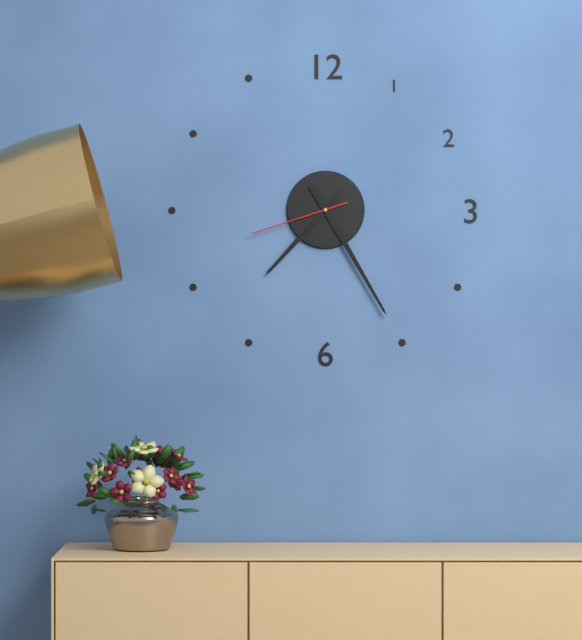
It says 7.25.42
